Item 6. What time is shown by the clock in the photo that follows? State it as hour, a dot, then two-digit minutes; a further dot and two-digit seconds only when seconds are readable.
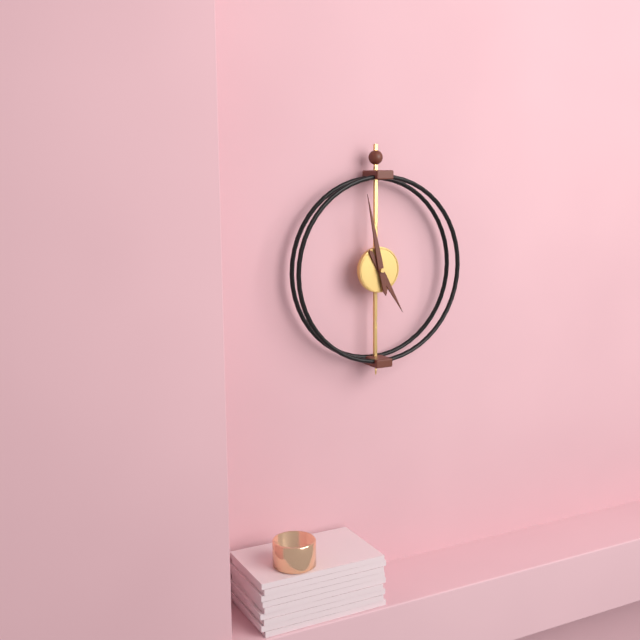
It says 4.58
